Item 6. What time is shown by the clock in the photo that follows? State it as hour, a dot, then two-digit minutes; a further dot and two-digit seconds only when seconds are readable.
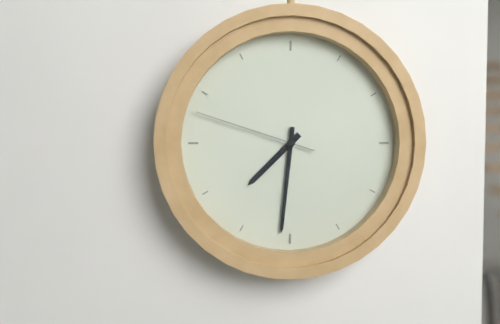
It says 7.31.48
